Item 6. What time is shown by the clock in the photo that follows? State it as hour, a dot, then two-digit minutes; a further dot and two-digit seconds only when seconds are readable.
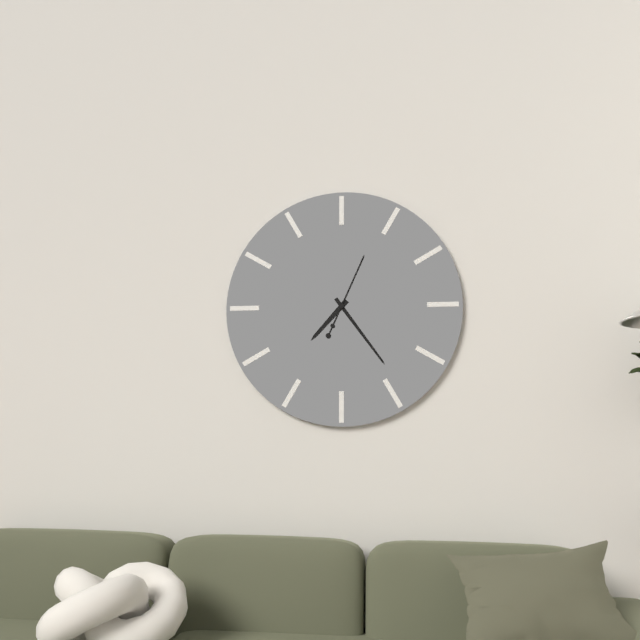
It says 7.24.04
